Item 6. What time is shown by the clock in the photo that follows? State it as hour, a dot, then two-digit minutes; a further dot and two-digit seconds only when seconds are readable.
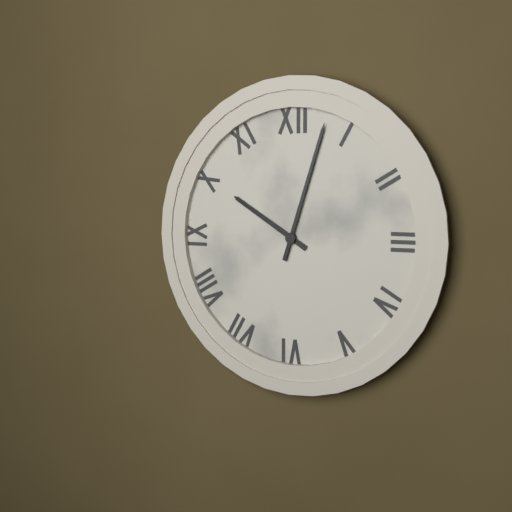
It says 10.03
